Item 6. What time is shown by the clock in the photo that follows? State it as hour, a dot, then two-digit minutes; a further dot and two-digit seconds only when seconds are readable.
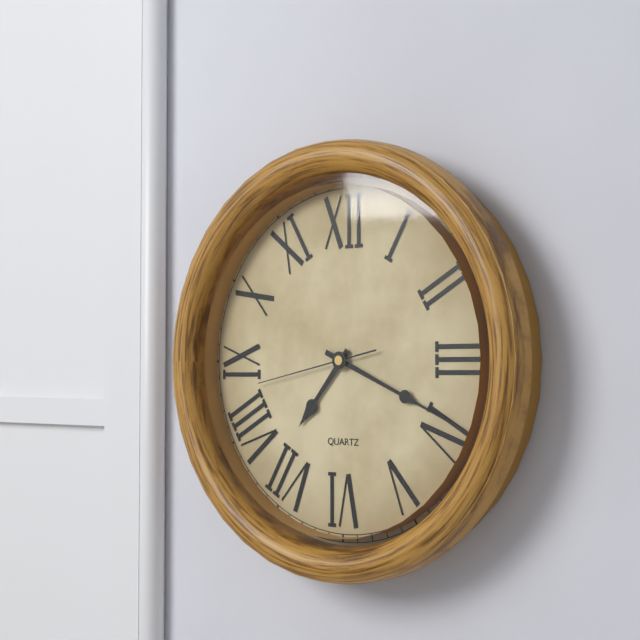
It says 7.19.43
